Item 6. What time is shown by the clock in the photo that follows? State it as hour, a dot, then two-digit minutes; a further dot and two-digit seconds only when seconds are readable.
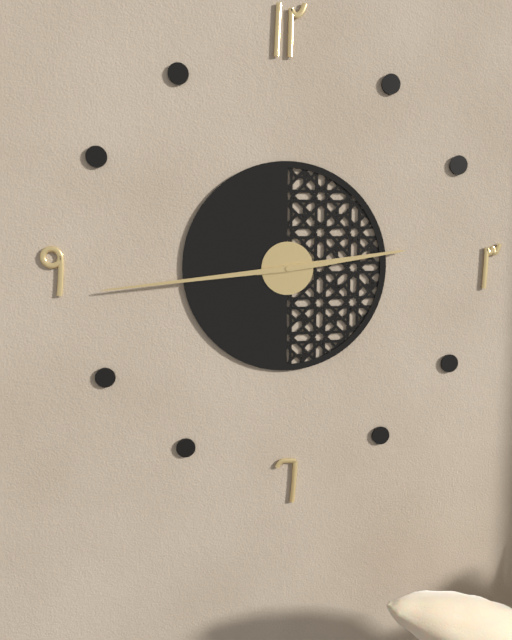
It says 2.44
